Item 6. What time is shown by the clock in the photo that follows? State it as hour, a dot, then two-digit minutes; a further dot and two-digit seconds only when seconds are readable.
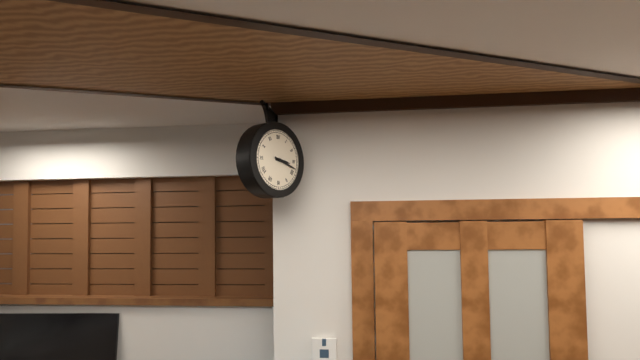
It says 3.18
